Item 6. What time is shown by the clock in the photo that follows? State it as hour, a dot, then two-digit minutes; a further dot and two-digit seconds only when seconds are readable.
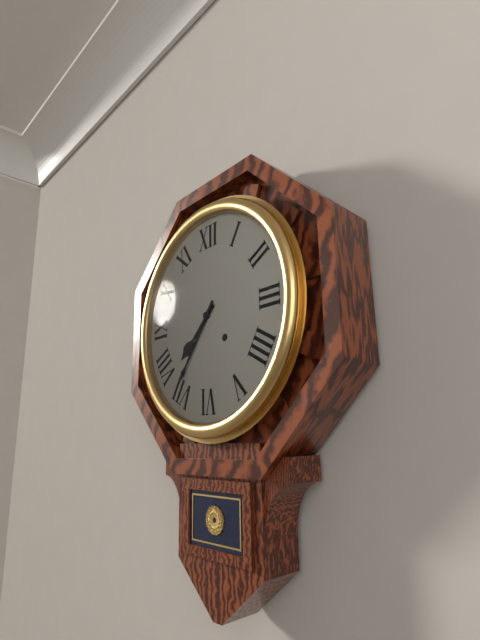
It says 7.36
